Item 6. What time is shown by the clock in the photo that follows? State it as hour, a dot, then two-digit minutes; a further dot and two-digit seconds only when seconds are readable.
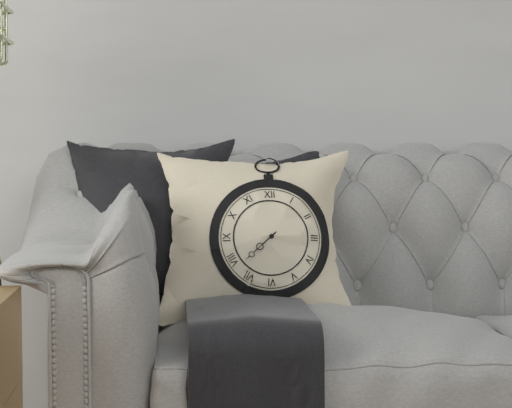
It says 7.38
